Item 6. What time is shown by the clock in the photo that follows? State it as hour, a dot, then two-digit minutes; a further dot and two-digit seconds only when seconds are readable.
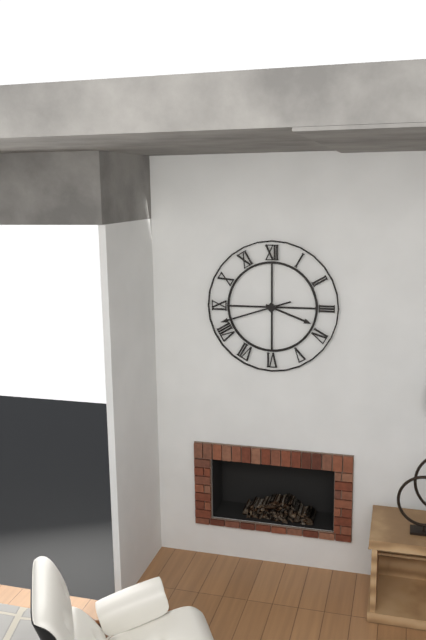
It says 3.42
